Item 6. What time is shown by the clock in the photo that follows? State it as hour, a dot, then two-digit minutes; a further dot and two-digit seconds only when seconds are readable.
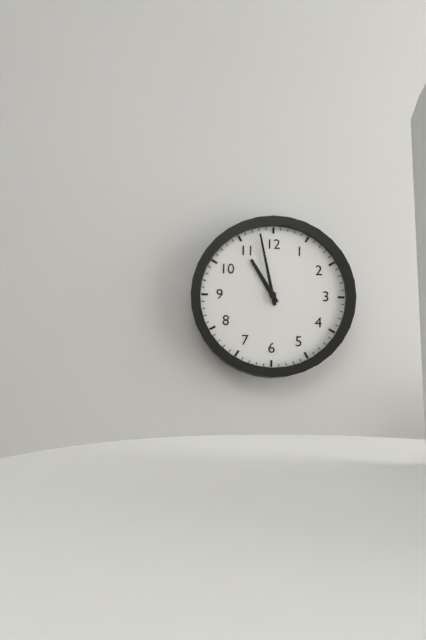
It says 10.58
